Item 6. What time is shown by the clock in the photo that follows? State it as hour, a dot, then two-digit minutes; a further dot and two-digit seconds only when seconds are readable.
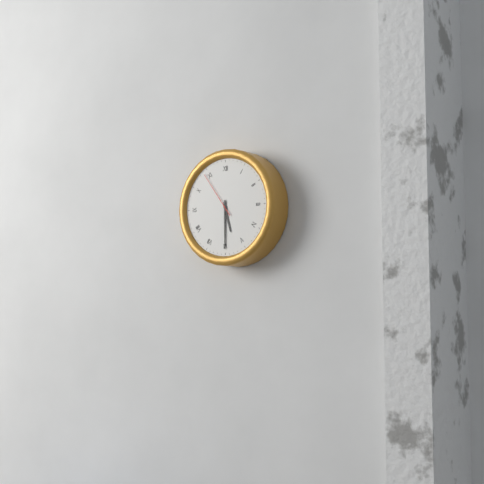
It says 5.30
